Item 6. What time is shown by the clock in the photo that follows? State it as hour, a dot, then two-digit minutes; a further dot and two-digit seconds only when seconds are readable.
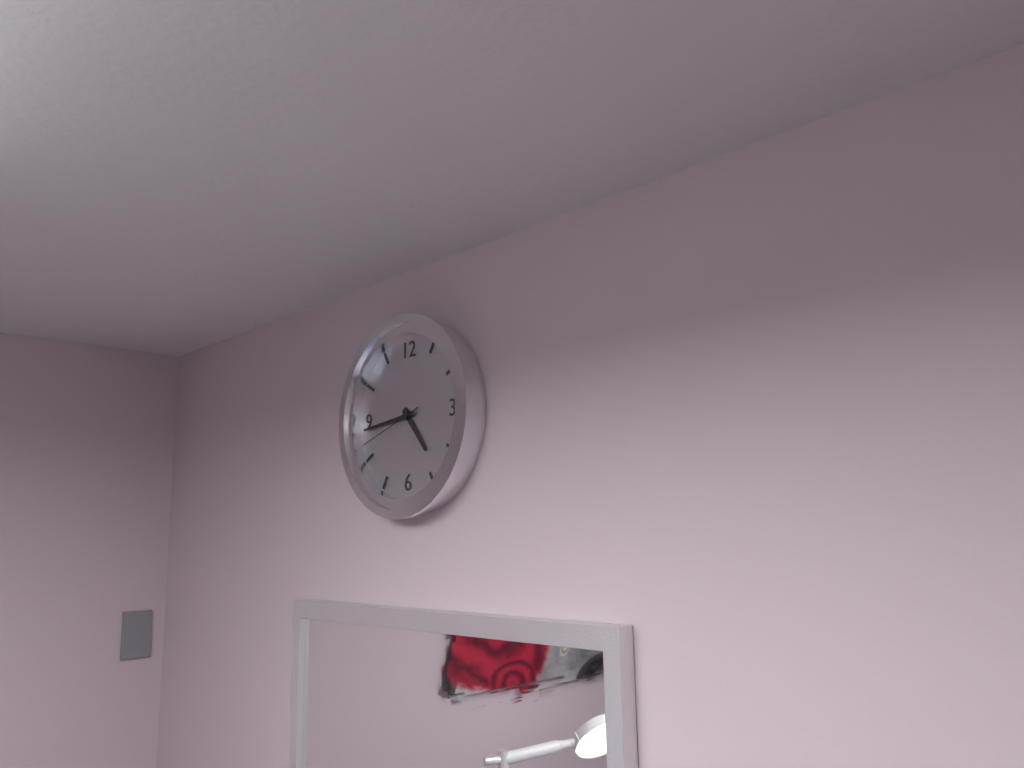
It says 4.44.42
